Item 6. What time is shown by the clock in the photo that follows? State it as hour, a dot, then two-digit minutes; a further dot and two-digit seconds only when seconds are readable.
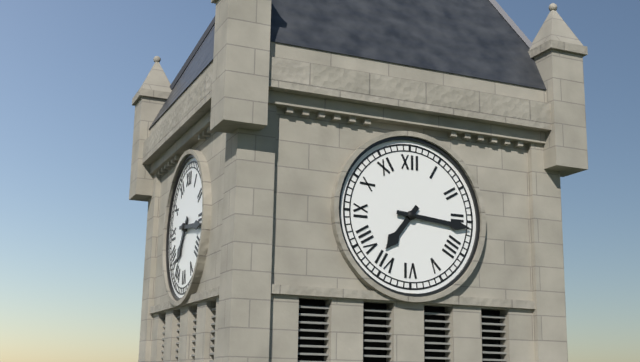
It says 7.16
